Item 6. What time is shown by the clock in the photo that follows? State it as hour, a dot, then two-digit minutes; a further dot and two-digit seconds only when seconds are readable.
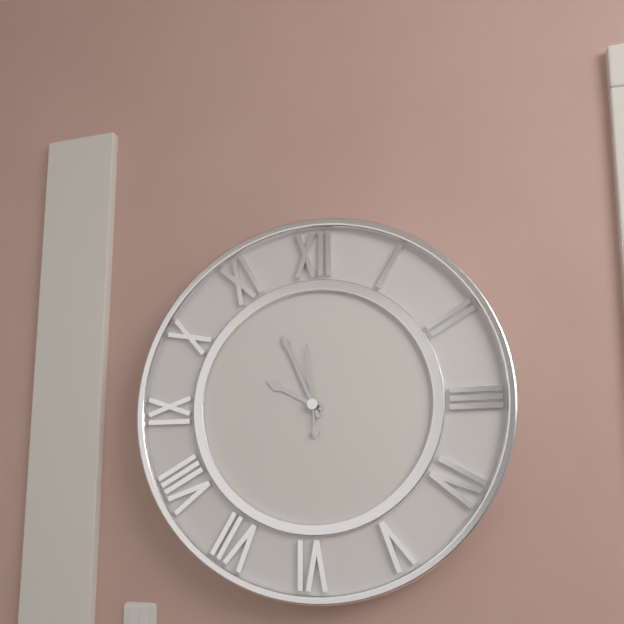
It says 9.56.59
